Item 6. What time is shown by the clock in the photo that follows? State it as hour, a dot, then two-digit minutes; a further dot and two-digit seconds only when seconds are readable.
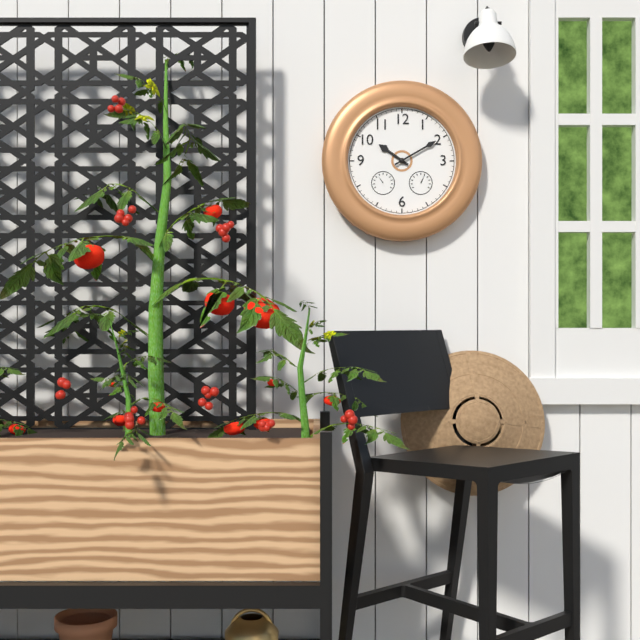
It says 10.10
